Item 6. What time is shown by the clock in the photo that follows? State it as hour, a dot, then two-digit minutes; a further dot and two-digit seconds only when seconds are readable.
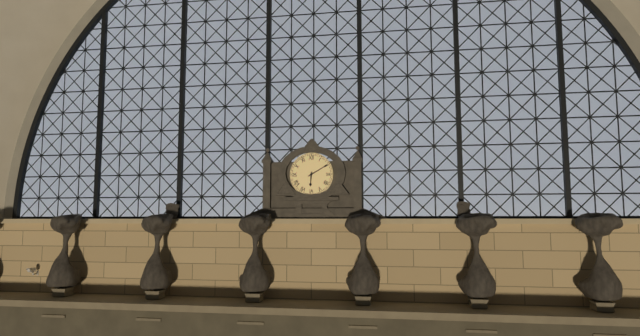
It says 6.10
